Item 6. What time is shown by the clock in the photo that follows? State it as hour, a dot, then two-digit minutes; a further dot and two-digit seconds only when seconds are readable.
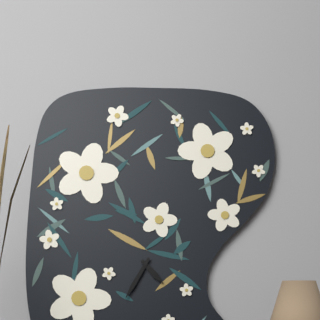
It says 4.35
